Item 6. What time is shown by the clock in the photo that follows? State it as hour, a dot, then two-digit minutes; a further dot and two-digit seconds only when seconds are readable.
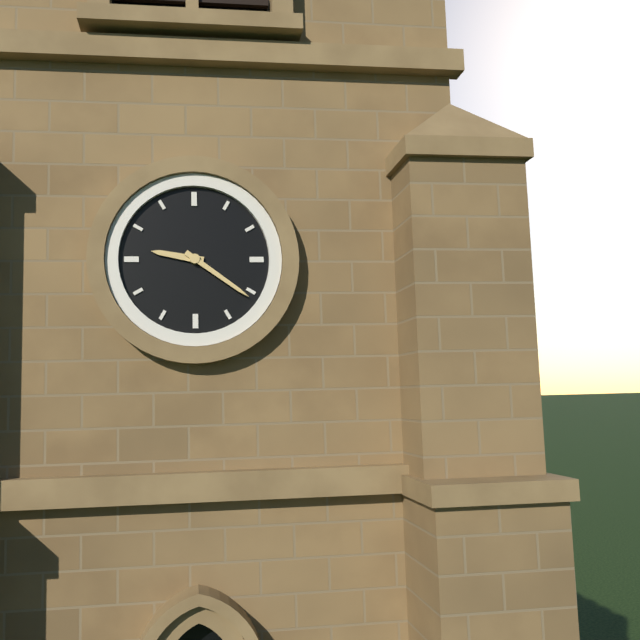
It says 9.21
